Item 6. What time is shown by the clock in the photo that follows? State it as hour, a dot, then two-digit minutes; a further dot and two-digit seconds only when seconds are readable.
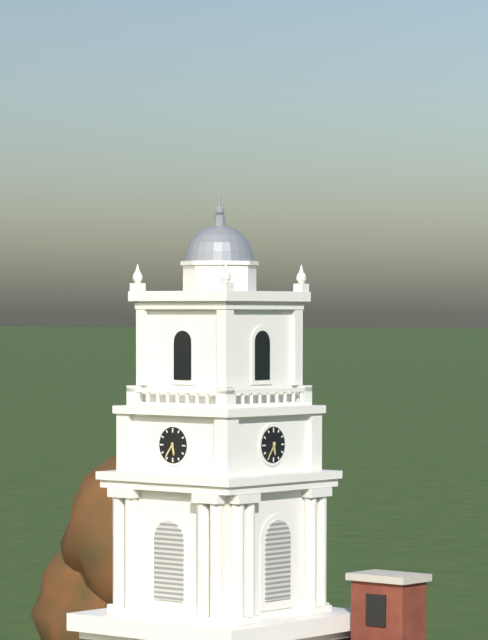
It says 5.36
